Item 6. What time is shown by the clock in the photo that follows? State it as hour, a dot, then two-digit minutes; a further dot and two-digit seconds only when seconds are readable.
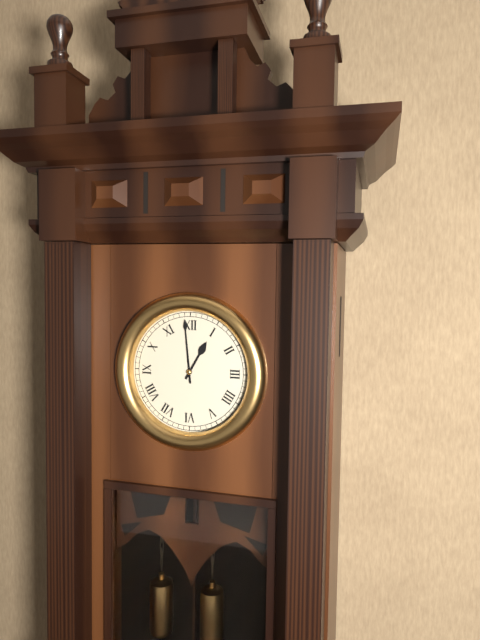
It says 12.59
